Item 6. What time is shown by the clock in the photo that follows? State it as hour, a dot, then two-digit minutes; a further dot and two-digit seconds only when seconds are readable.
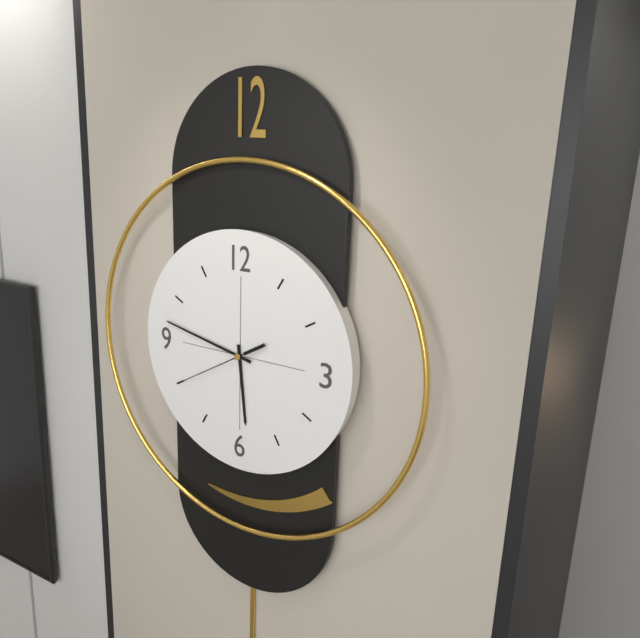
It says 5.47.40
